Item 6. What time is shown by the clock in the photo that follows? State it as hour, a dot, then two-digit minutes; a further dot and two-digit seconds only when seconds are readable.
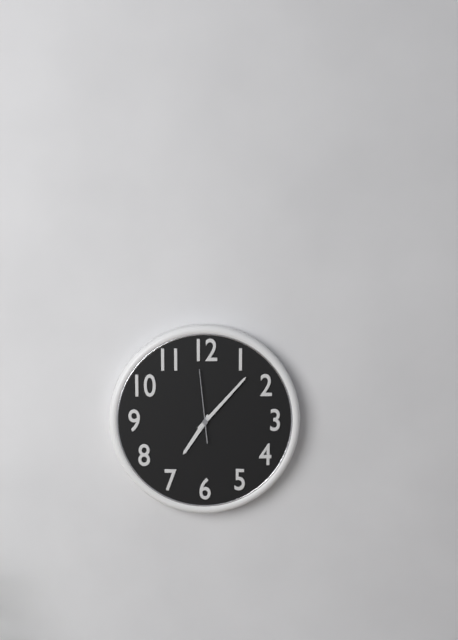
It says 7.07.59
